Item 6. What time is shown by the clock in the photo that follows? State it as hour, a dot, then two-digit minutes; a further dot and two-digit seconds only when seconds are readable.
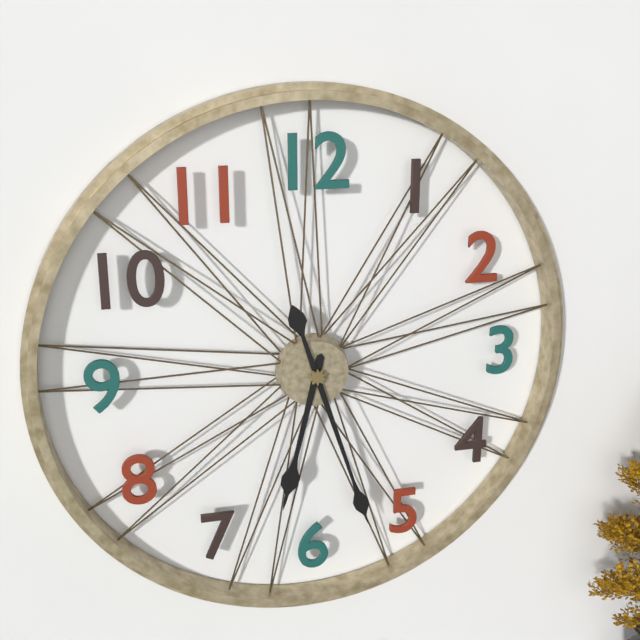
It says 6.27
